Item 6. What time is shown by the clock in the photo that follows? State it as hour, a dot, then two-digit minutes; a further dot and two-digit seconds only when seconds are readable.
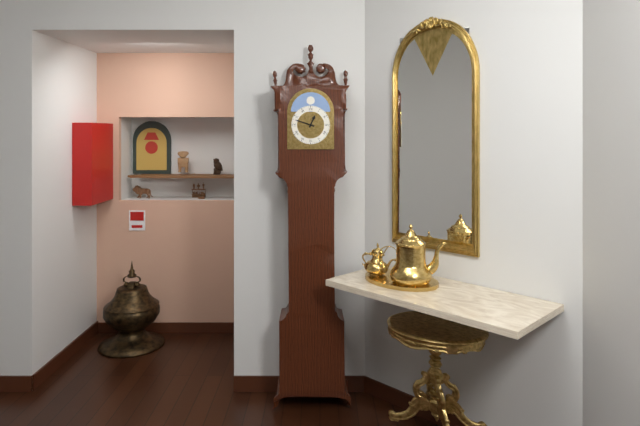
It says 12.48
